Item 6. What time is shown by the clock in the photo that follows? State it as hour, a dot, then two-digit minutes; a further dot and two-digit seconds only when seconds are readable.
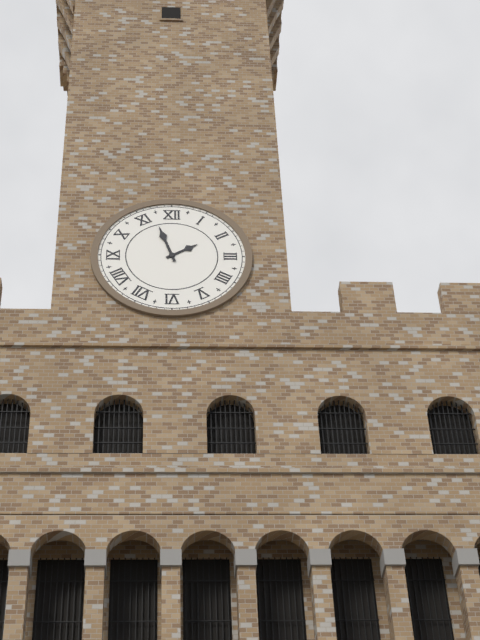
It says 1.57
